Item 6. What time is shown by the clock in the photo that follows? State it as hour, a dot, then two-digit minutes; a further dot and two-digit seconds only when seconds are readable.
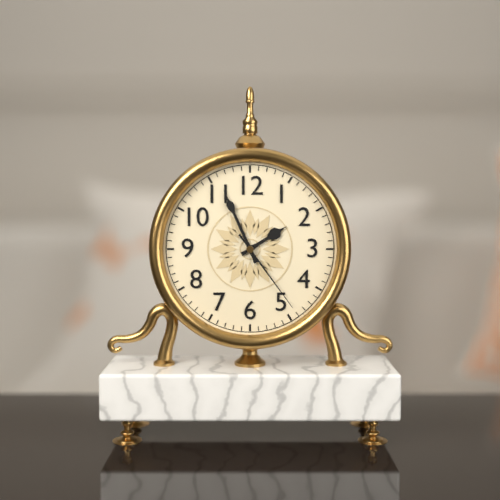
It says 1.56.24
